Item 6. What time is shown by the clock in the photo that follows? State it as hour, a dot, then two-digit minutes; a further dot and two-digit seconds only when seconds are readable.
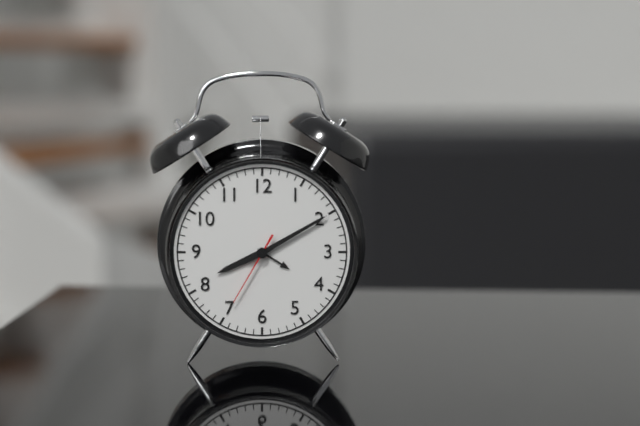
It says 8.10.35
